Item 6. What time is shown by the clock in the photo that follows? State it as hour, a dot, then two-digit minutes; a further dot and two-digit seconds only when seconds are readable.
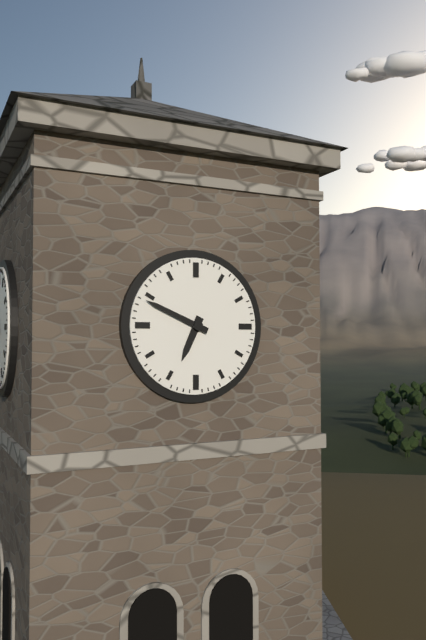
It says 6.49
